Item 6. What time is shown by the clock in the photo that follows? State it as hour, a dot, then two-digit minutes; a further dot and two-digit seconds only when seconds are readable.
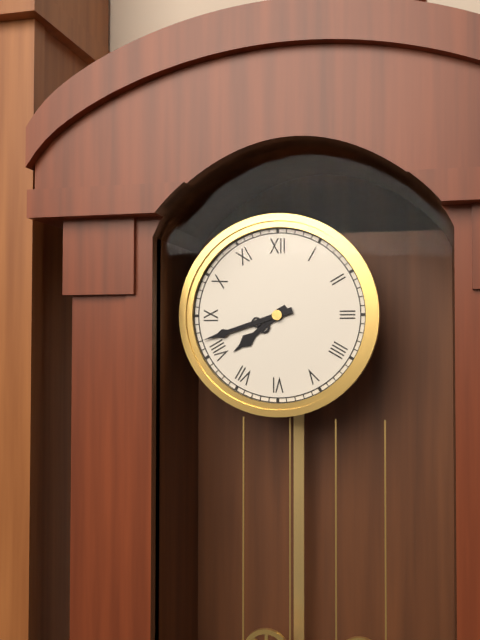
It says 7.42
